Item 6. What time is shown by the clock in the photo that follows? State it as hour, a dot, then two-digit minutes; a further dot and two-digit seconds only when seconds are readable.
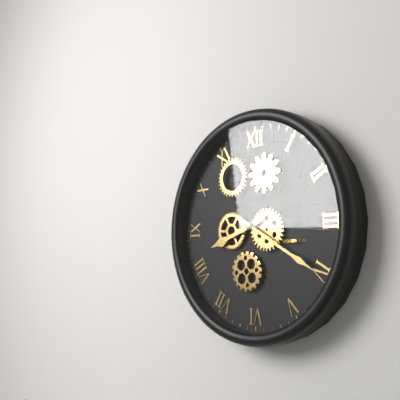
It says 8.20
